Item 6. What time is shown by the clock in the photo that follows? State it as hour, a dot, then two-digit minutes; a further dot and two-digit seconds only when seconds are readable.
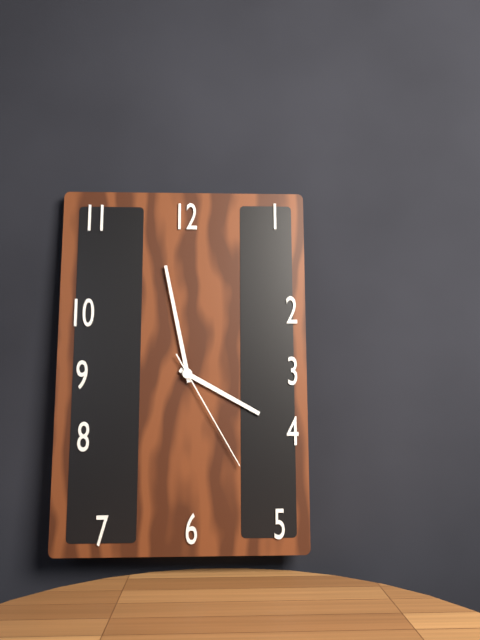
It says 3.58.25
